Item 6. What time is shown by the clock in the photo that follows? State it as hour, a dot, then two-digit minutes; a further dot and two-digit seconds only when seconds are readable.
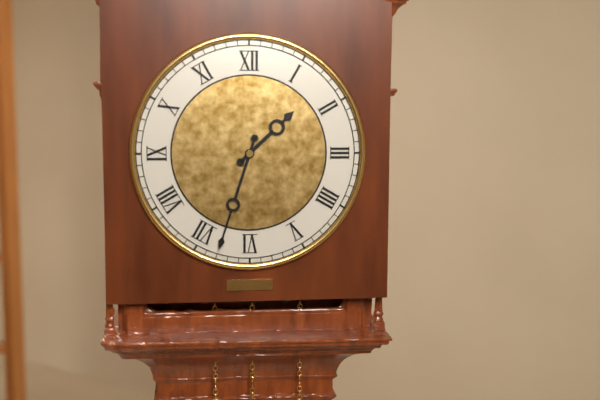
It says 1.33
